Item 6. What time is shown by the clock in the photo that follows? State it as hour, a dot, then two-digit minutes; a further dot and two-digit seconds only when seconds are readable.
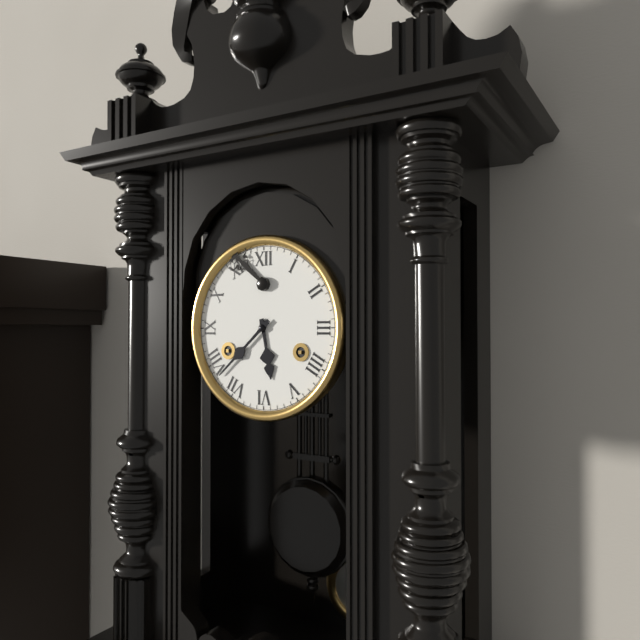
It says 5.38
